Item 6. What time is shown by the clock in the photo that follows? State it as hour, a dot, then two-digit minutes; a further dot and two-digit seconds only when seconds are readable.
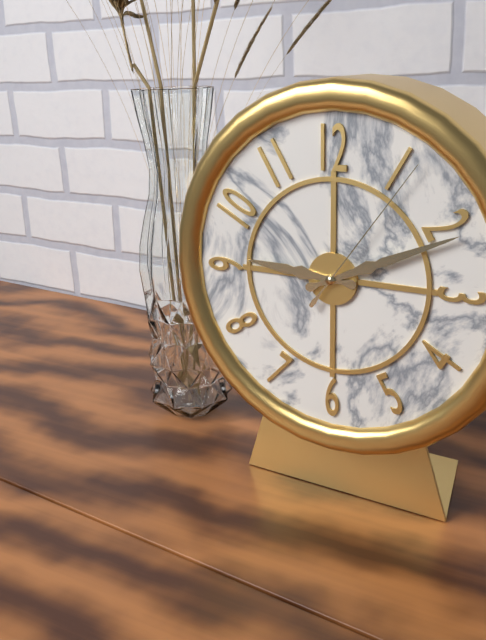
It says 9.11.06
